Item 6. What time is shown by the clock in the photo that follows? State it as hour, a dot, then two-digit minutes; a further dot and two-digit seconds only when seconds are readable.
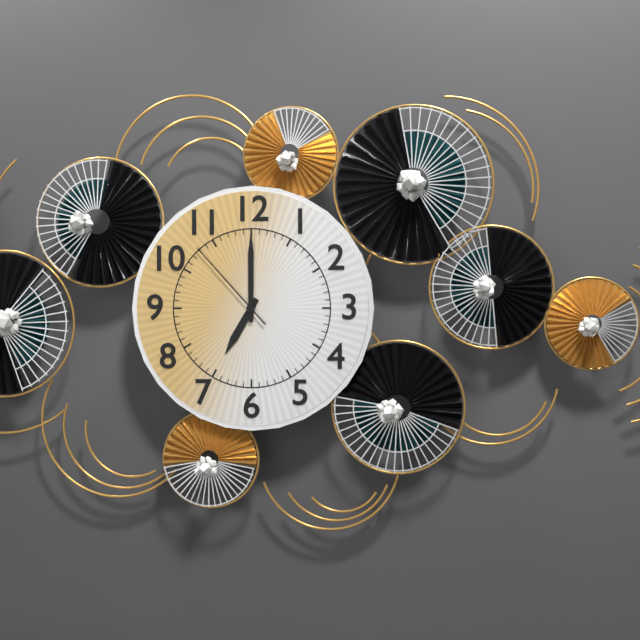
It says 7.00.53
